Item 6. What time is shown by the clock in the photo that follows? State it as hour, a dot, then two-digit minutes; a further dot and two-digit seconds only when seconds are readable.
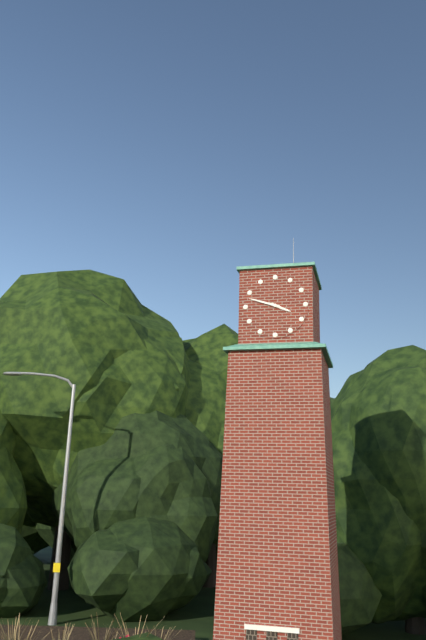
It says 3.48
